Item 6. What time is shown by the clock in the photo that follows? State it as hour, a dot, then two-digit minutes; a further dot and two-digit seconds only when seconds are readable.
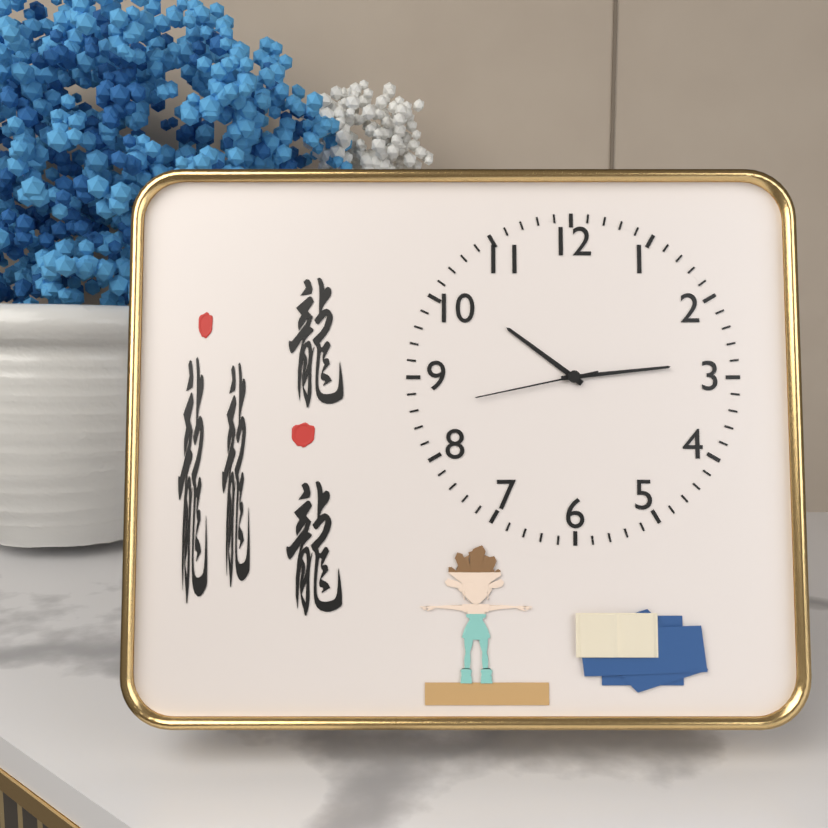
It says 10.14.43
